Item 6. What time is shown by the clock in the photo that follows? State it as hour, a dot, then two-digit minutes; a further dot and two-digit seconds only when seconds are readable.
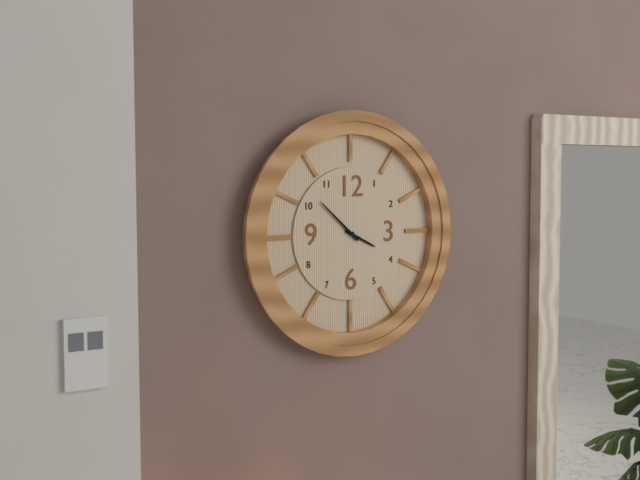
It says 3.52
